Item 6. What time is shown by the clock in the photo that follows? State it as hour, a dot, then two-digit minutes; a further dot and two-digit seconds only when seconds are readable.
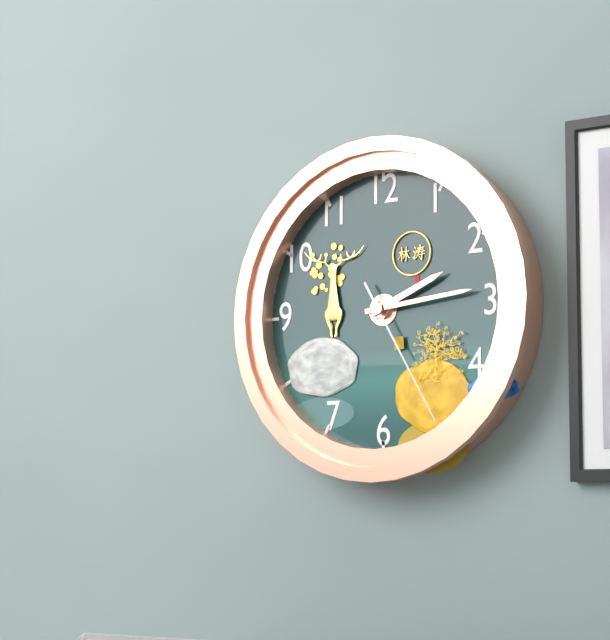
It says 2.14.25
